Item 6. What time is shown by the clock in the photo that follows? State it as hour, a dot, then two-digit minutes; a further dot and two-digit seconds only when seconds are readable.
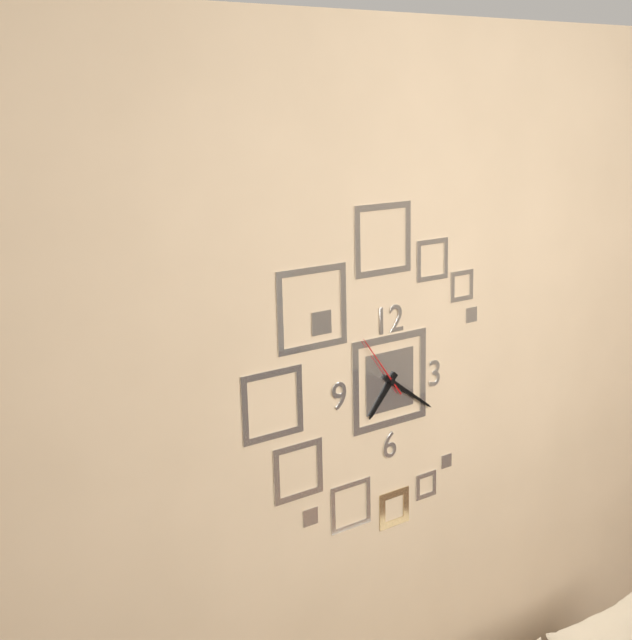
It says 7.21.54
